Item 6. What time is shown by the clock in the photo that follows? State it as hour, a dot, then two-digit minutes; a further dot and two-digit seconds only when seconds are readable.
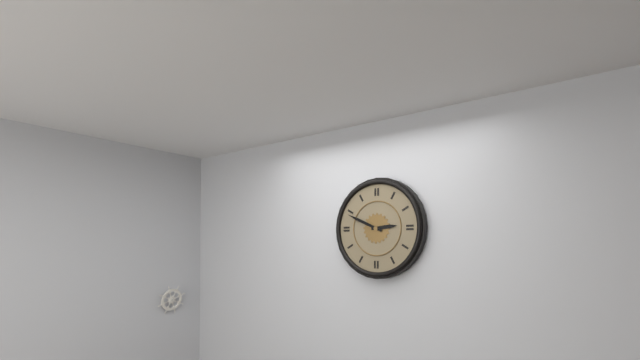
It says 2.49
